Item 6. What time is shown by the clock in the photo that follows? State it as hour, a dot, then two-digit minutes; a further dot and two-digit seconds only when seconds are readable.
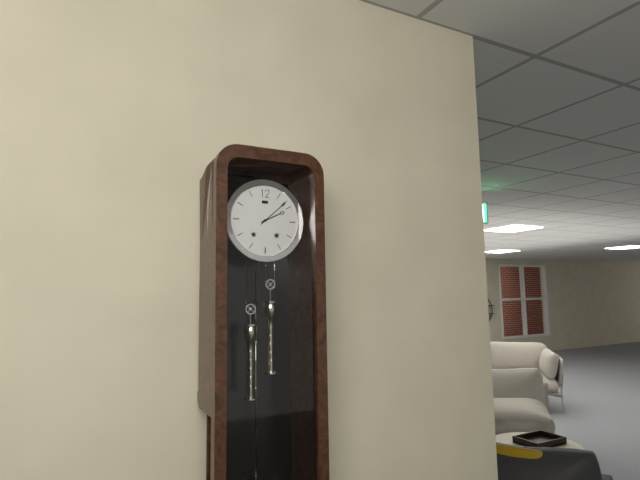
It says 2.08
